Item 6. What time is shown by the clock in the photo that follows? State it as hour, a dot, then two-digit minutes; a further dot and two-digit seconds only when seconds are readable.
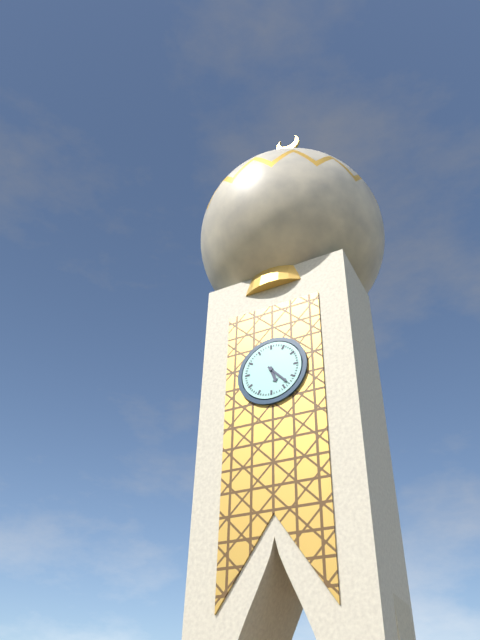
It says 5.23
